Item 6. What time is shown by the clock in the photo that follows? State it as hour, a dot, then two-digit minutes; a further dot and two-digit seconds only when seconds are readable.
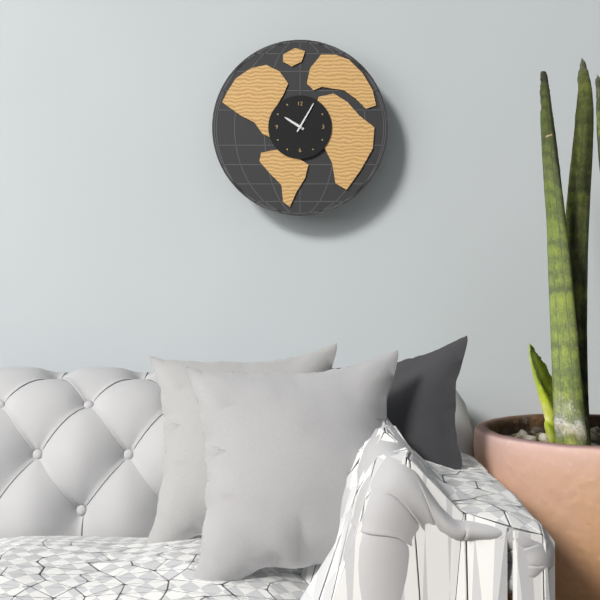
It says 10.05
